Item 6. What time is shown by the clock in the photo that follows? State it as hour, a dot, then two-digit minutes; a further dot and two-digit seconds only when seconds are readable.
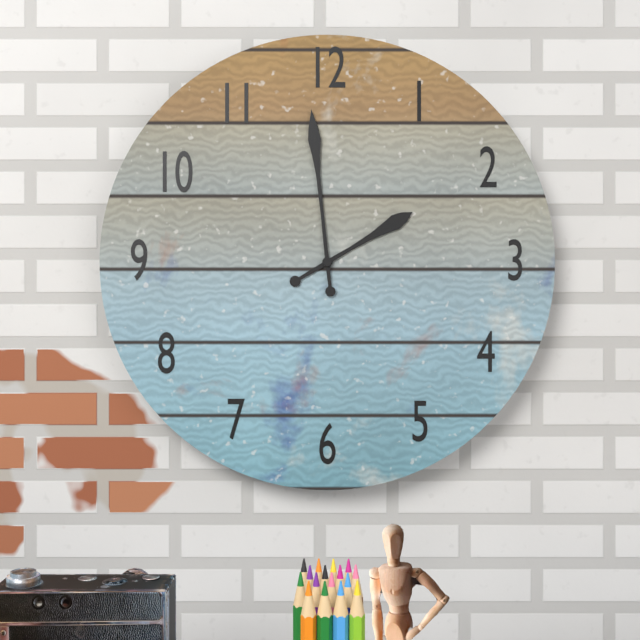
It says 1.59
